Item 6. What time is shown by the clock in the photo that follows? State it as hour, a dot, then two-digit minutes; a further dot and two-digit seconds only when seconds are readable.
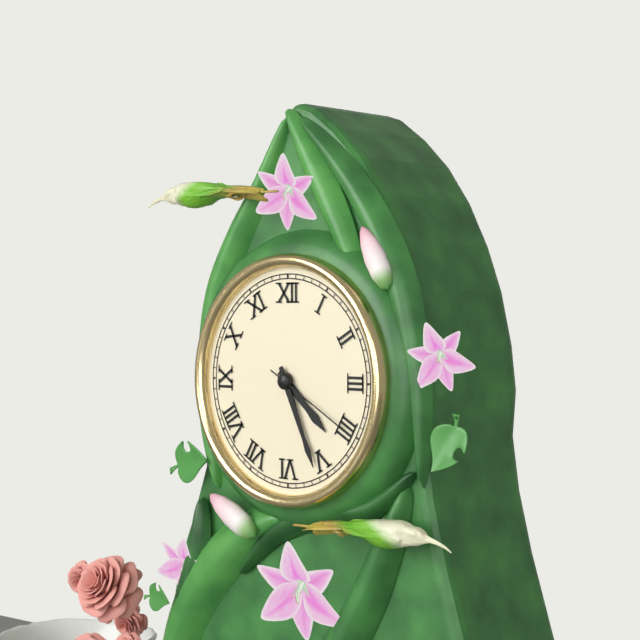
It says 4.26.20
